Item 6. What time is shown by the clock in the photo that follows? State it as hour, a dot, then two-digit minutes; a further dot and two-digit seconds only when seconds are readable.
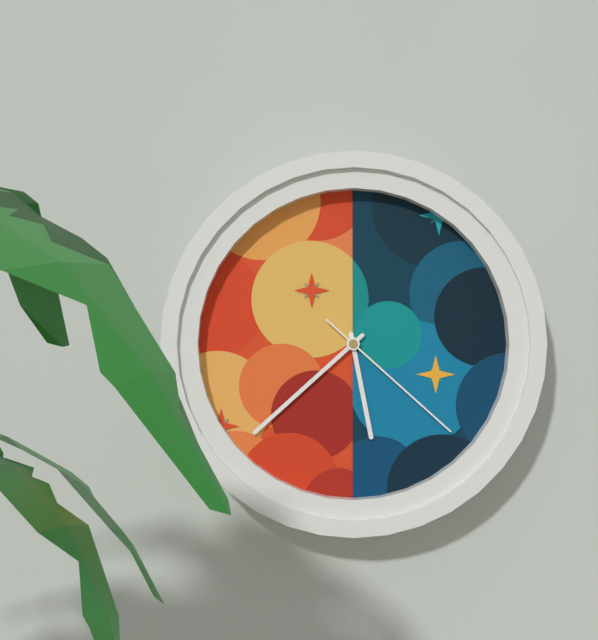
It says 5.38.22
